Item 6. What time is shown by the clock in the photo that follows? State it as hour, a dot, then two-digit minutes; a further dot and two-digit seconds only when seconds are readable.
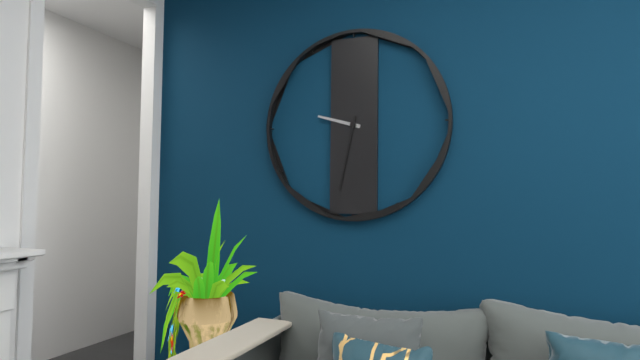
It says 9.32
